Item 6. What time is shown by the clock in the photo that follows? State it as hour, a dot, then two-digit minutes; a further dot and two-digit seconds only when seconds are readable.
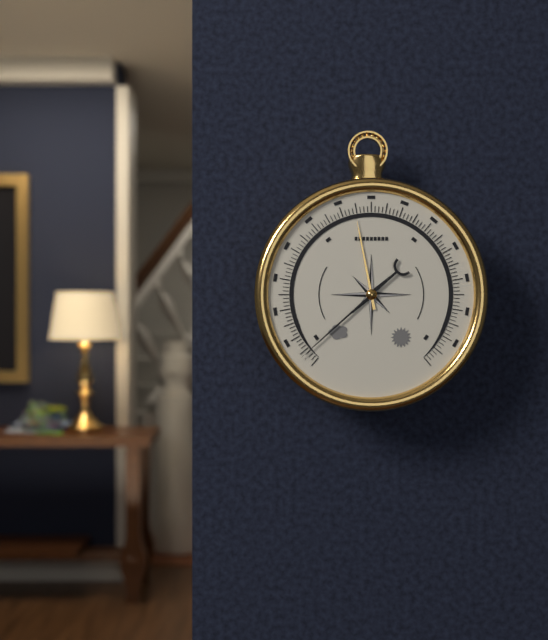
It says 11.38
